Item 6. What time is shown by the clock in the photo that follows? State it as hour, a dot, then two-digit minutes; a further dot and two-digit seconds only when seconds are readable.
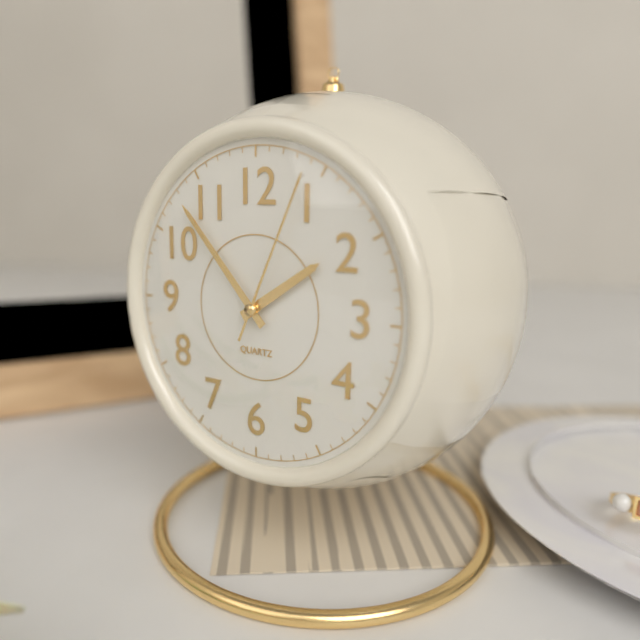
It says 1.53.04
